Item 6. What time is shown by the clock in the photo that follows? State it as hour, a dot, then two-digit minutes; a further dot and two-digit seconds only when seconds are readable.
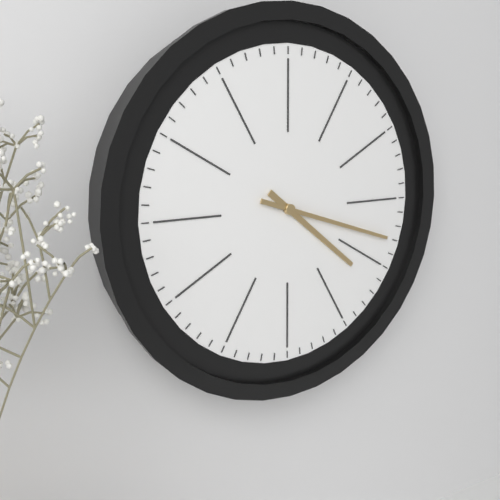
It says 4.18
